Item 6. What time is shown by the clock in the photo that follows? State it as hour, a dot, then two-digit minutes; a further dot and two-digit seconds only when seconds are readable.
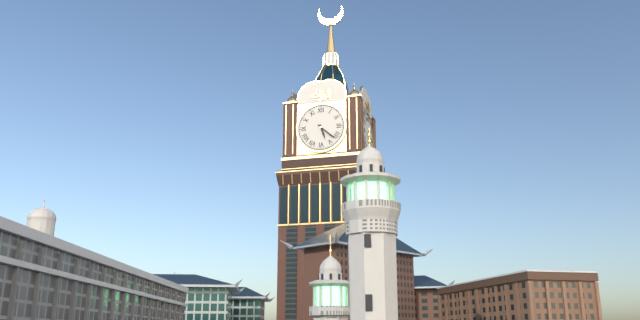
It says 5.22
